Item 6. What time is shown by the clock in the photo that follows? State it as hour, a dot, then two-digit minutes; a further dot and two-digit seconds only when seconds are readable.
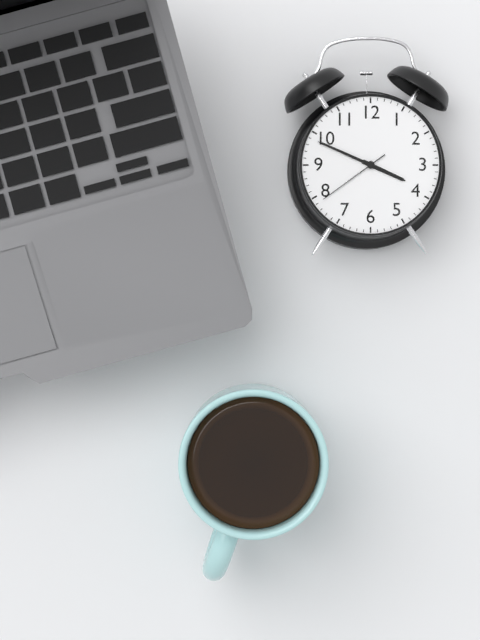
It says 3.49.39
